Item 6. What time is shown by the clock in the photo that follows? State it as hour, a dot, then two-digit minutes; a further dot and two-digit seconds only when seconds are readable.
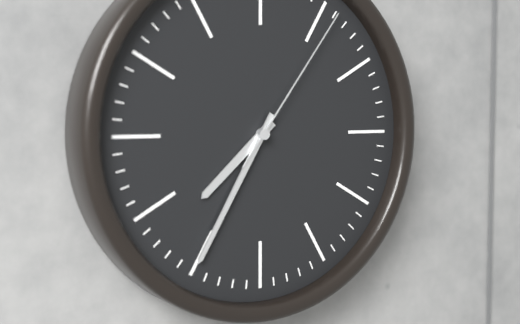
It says 7.35.06
